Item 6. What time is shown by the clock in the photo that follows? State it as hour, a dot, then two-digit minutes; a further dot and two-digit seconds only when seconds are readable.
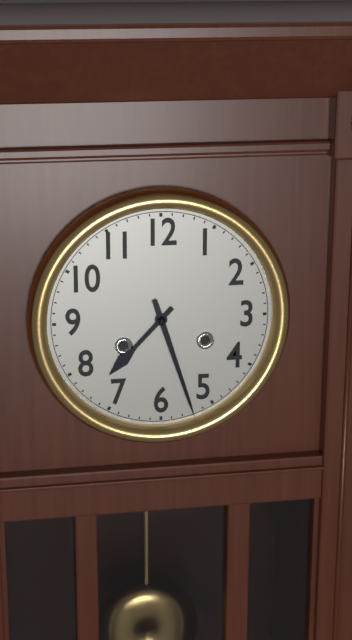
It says 7.27
